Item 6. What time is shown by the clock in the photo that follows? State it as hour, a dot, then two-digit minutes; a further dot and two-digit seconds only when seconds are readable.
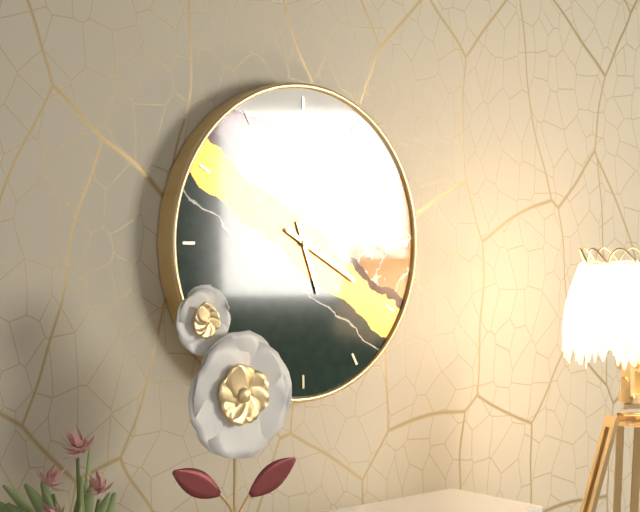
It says 5.20
